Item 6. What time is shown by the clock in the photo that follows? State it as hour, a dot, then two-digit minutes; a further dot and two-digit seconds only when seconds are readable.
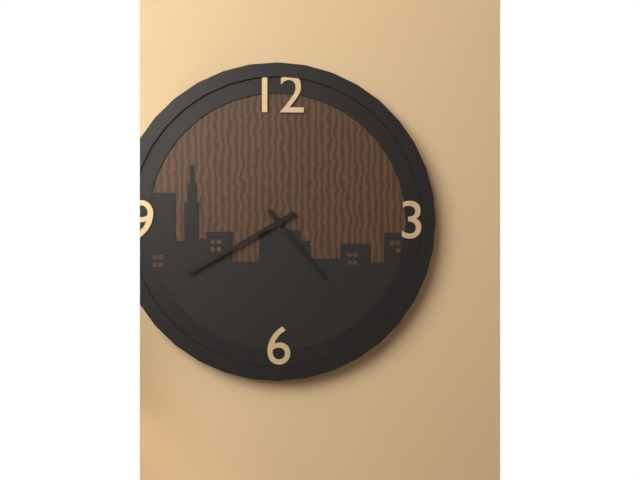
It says 4.40
